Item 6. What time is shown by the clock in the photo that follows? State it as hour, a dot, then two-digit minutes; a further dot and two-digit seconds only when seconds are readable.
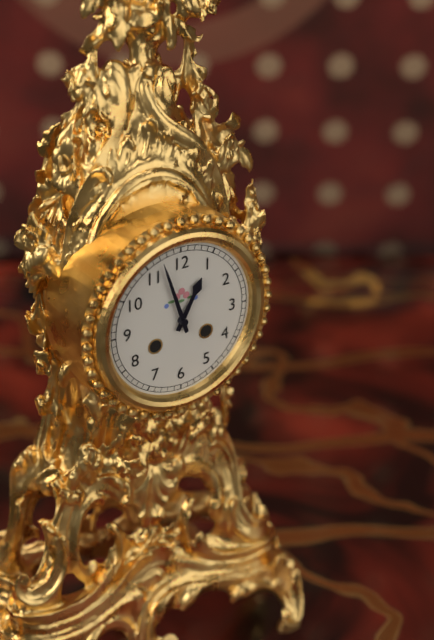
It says 12.57
